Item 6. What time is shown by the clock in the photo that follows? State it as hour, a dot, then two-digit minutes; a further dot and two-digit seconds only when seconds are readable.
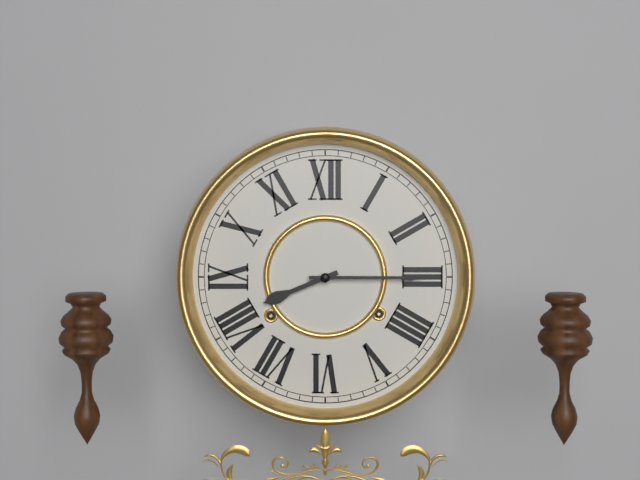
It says 8.15
